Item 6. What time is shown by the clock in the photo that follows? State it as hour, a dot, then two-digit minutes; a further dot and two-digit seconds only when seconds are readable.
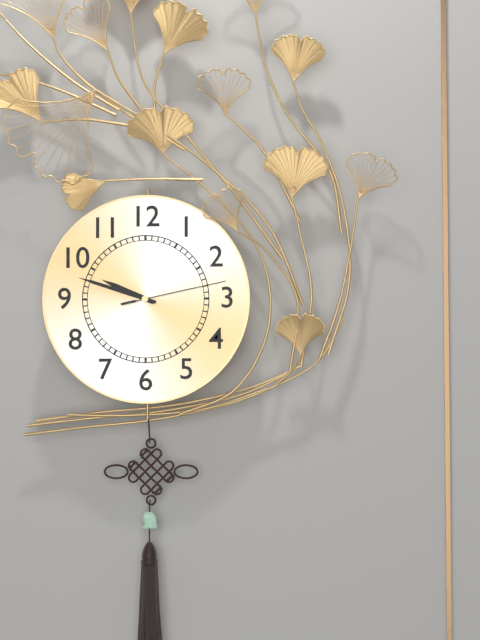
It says 9.48.13
